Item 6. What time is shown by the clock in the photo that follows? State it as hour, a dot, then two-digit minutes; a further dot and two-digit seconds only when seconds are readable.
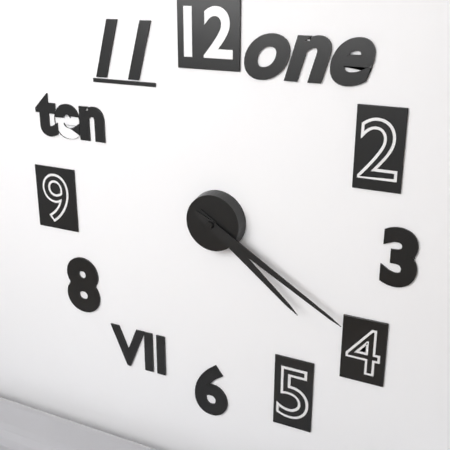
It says 4.20
